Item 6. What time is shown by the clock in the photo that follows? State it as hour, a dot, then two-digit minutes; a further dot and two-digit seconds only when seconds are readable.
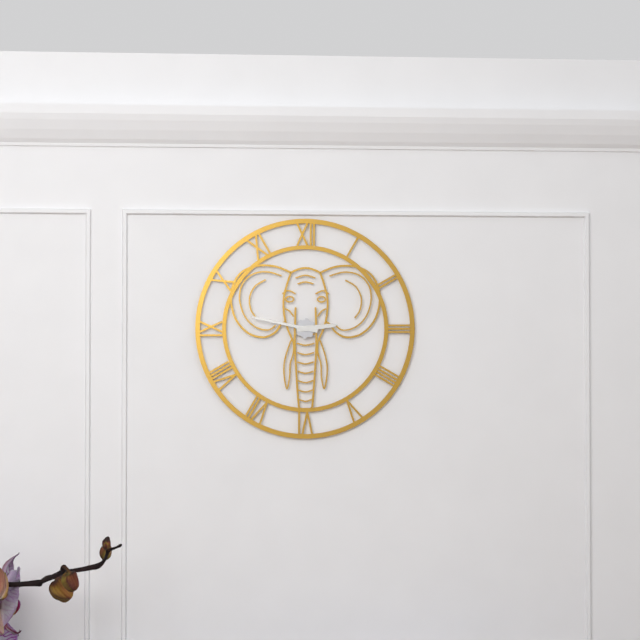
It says 2.47
